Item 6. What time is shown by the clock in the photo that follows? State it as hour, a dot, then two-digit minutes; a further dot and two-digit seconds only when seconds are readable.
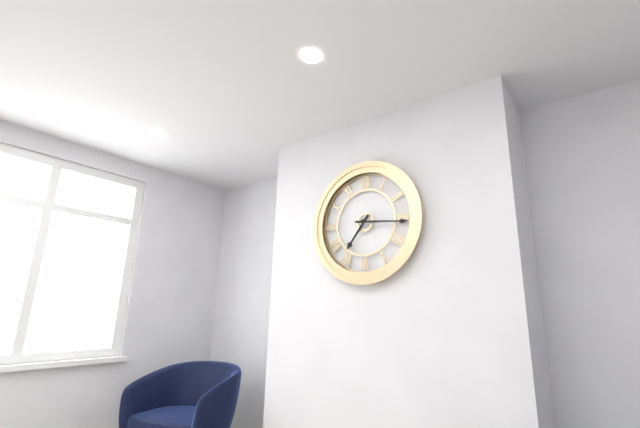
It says 7.16
